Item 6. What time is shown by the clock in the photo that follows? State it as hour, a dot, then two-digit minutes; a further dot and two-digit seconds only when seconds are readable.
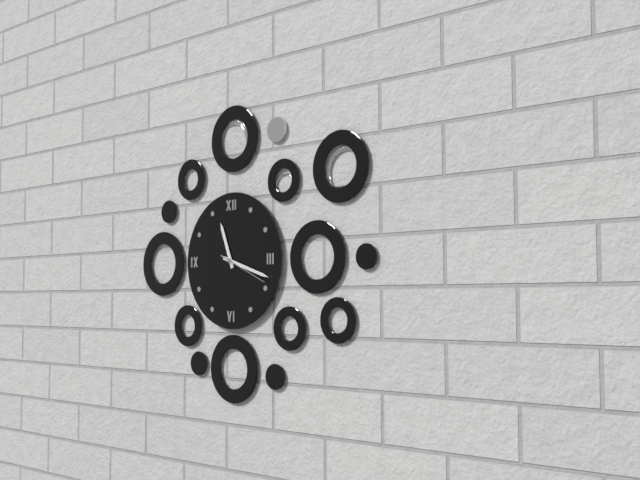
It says 11.18
